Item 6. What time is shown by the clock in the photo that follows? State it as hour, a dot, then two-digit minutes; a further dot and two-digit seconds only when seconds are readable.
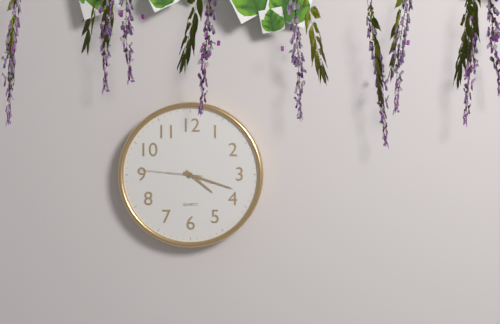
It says 4.18.46
